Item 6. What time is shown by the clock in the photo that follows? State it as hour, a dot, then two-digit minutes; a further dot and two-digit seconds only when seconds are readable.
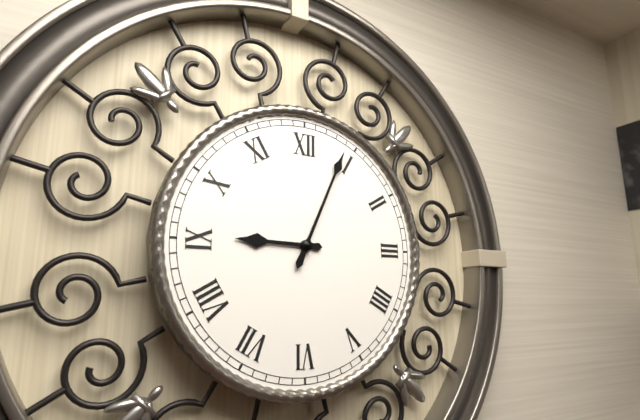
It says 9.04
